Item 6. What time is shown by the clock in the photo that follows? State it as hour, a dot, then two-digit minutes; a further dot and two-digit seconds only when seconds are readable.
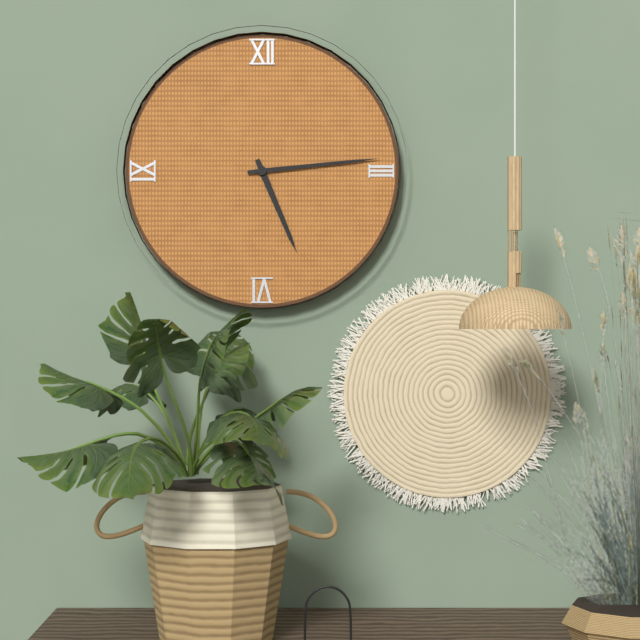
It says 5.14
